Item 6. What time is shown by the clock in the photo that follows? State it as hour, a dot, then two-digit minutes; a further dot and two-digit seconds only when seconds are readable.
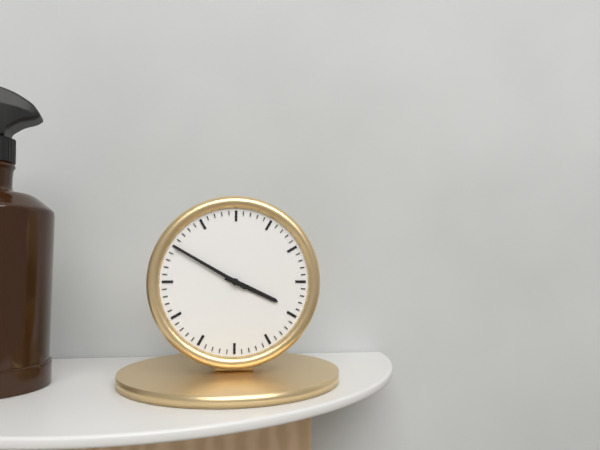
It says 3.50
